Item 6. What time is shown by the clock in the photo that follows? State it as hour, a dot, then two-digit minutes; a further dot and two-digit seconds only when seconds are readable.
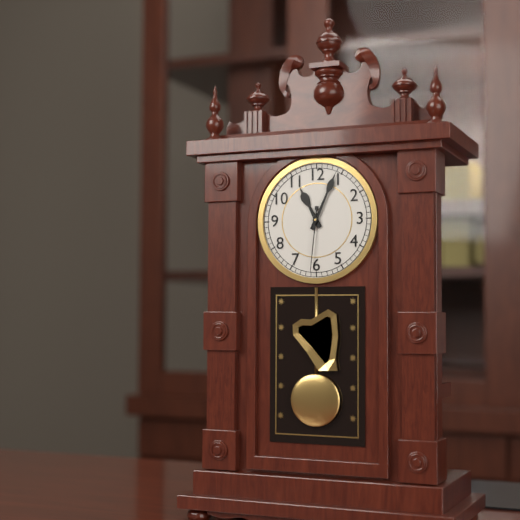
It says 11.04.31
